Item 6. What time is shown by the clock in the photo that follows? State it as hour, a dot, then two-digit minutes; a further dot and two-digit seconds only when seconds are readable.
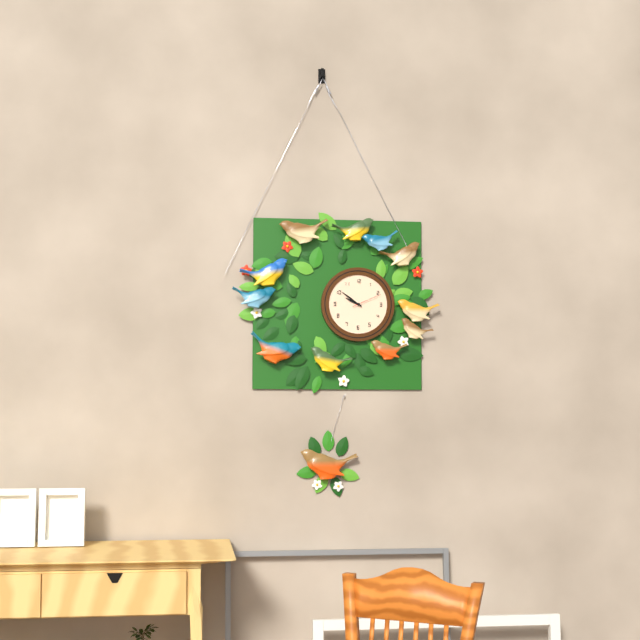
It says 9.51
